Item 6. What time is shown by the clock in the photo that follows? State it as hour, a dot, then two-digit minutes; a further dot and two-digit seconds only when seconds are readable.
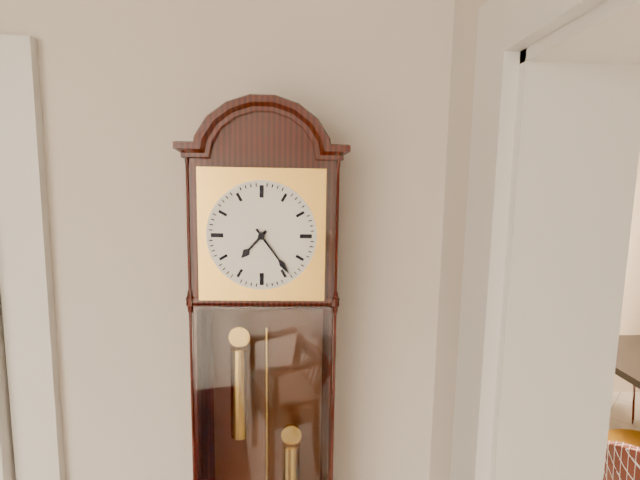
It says 7.24
